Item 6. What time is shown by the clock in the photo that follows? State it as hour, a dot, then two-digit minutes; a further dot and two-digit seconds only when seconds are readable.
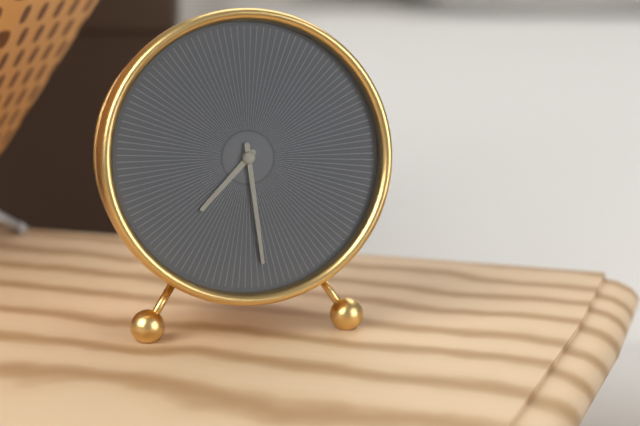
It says 7.29
